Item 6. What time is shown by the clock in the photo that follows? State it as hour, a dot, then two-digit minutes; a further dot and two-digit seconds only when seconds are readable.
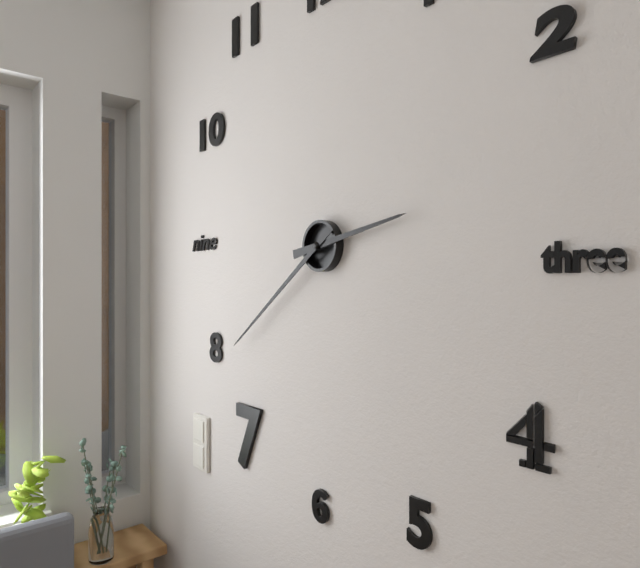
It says 2.39
